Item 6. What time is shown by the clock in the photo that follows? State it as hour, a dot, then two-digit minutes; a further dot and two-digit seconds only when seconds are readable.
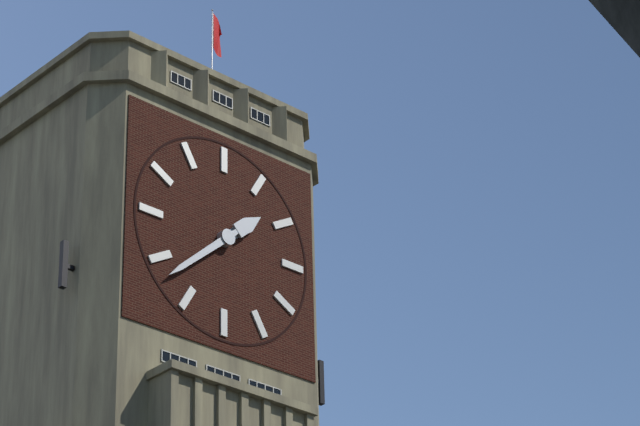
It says 1.38
